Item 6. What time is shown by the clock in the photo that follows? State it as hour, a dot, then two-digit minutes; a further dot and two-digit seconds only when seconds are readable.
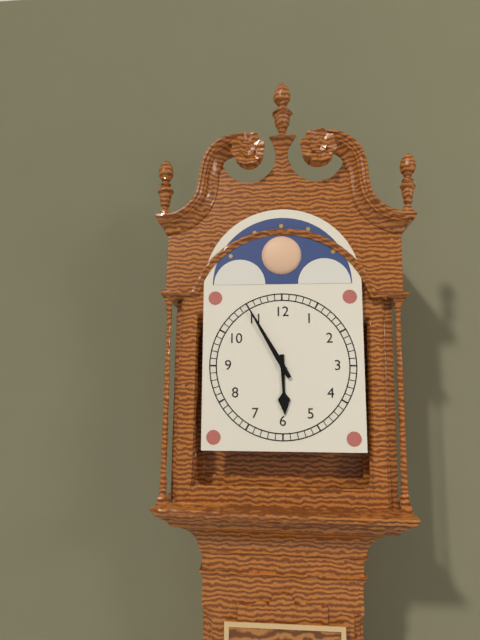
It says 5.55
